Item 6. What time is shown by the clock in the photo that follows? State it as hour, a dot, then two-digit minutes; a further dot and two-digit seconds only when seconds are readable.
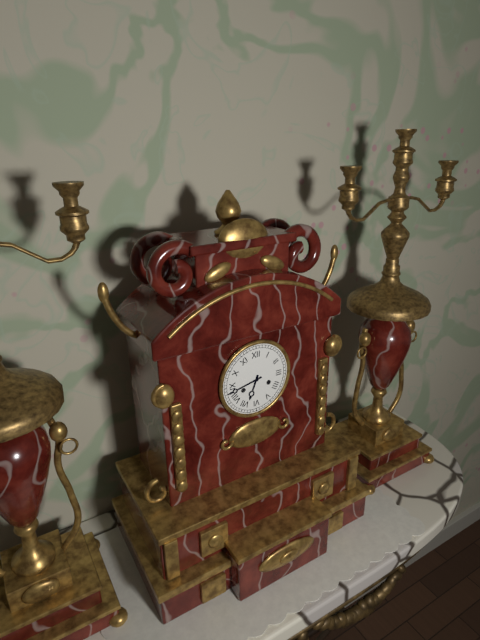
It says 6.43
